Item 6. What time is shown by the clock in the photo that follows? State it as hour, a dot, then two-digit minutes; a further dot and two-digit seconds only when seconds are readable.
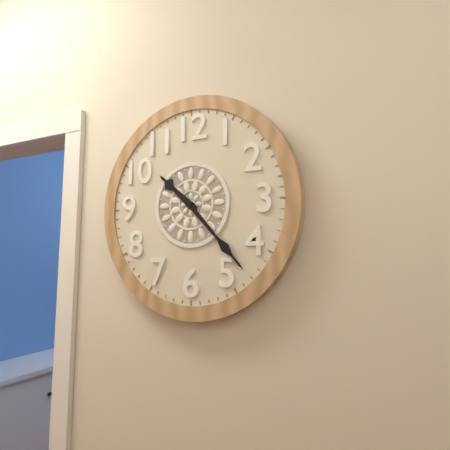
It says 10.23
